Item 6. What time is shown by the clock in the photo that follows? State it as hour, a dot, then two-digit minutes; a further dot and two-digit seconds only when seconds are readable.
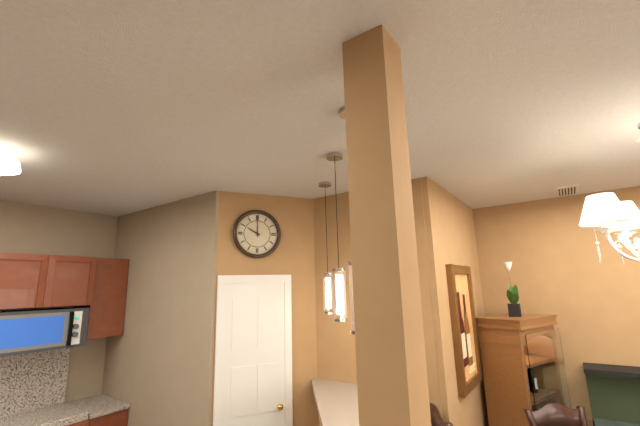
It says 10.00
